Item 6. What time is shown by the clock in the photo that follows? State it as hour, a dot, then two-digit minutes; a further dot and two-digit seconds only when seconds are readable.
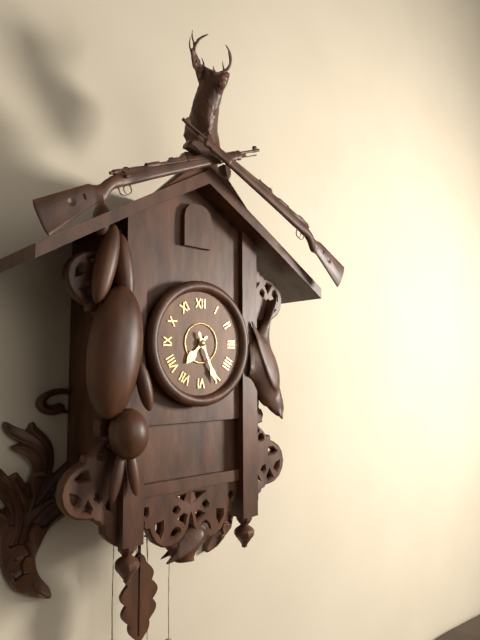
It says 7.26
